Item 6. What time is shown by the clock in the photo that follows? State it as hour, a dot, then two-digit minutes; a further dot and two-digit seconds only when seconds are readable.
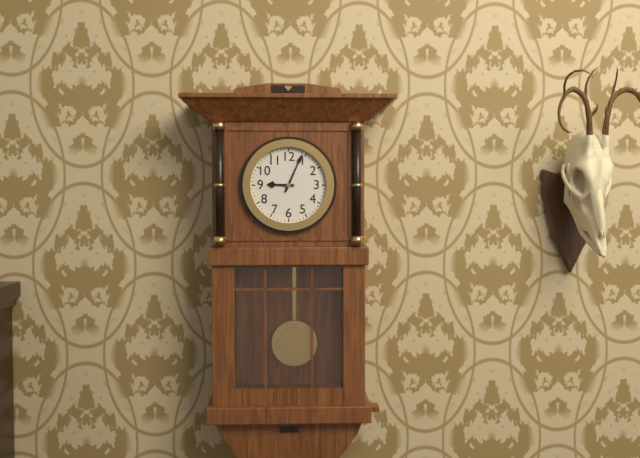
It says 9.04
